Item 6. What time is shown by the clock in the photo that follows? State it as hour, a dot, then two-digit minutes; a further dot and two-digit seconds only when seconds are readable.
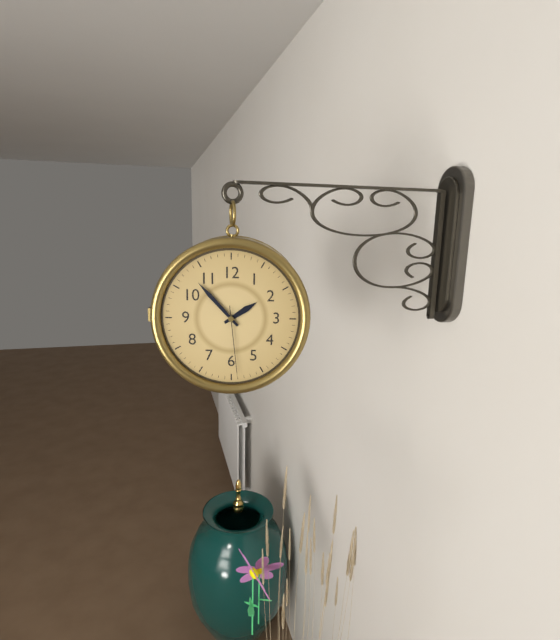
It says 1.53.29
